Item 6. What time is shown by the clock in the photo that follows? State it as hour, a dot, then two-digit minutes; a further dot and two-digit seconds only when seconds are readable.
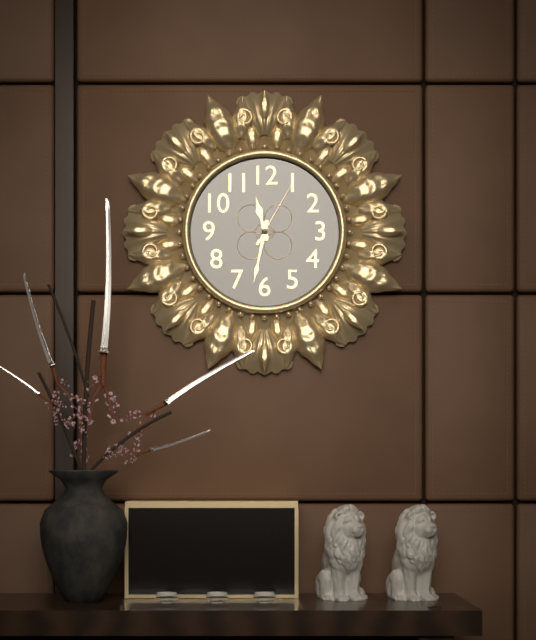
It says 11.32.05
